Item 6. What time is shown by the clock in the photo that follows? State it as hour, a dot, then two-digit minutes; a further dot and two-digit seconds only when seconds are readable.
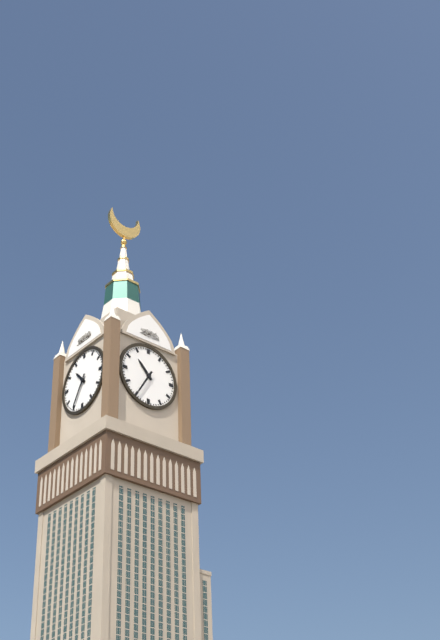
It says 10.35
